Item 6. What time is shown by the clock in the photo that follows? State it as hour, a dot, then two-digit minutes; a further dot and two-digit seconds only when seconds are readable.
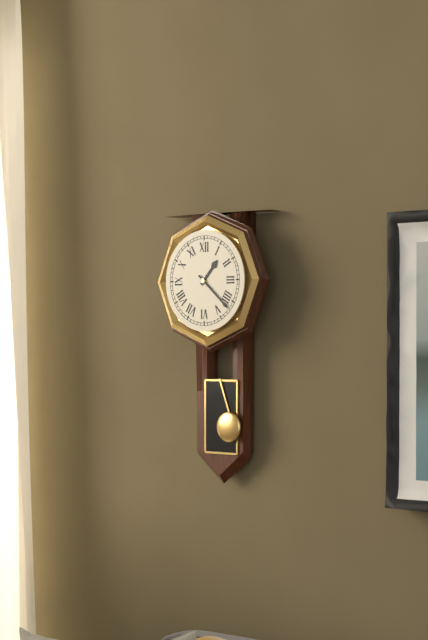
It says 1.22
